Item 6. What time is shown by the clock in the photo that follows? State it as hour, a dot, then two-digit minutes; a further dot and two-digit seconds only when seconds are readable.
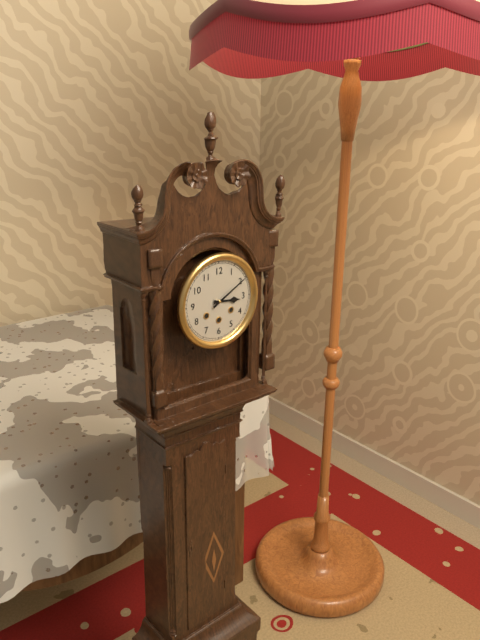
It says 3.10
